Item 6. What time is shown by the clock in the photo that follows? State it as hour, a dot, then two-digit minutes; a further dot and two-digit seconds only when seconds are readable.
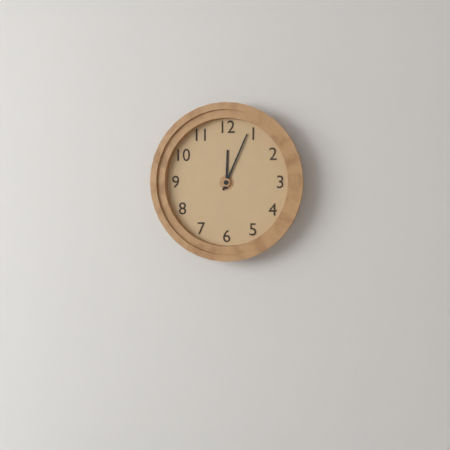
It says 12.04
